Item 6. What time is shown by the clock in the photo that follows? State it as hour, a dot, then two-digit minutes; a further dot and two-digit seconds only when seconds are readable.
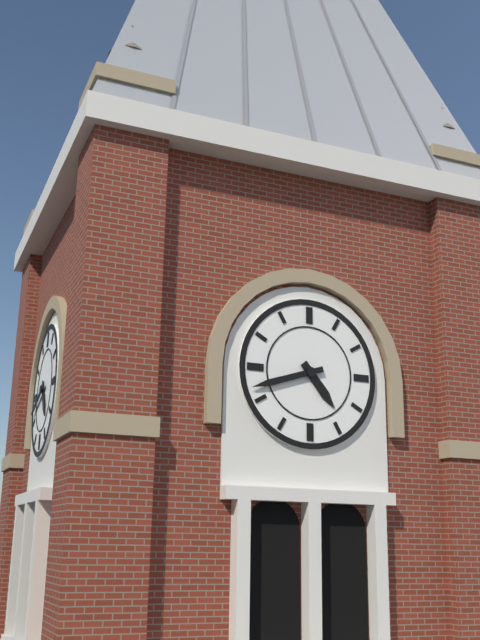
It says 4.42
